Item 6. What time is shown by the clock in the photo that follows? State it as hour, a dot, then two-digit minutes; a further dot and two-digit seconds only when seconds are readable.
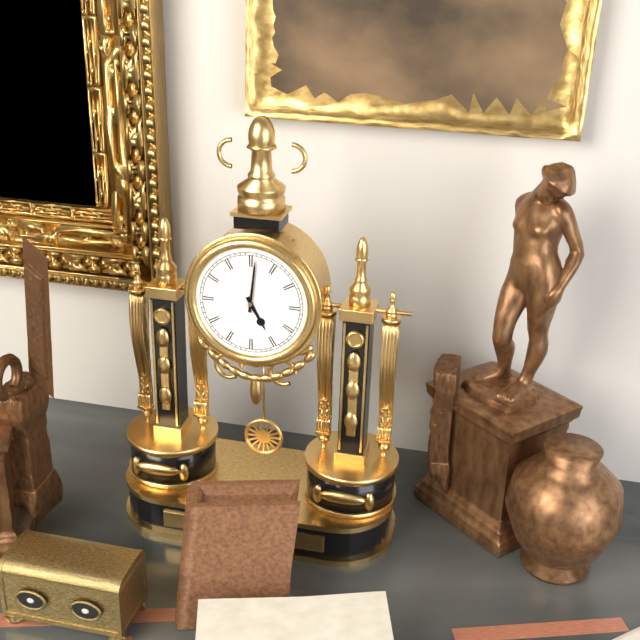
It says 5.01
